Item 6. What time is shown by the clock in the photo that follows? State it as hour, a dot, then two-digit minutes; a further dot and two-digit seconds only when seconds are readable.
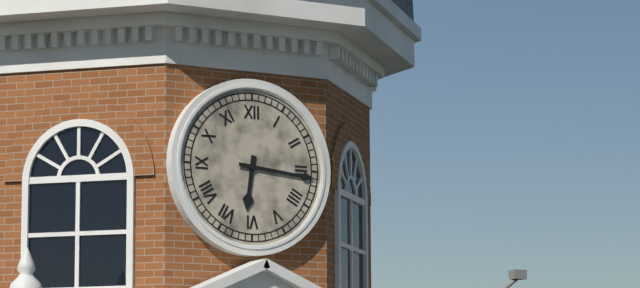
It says 6.16
